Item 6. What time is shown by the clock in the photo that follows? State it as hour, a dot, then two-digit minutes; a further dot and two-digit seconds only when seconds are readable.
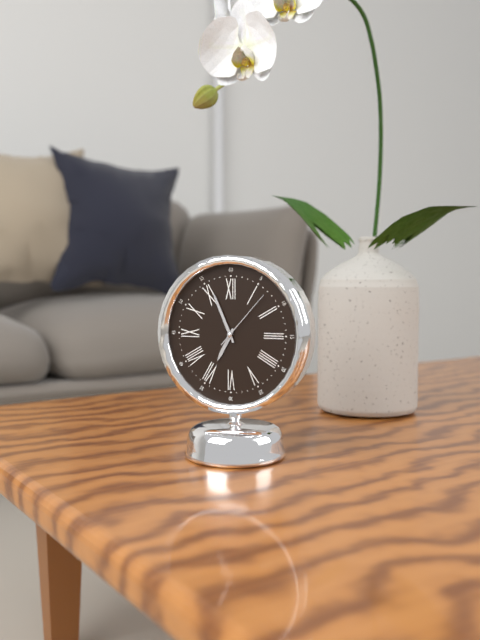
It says 6.56.07
